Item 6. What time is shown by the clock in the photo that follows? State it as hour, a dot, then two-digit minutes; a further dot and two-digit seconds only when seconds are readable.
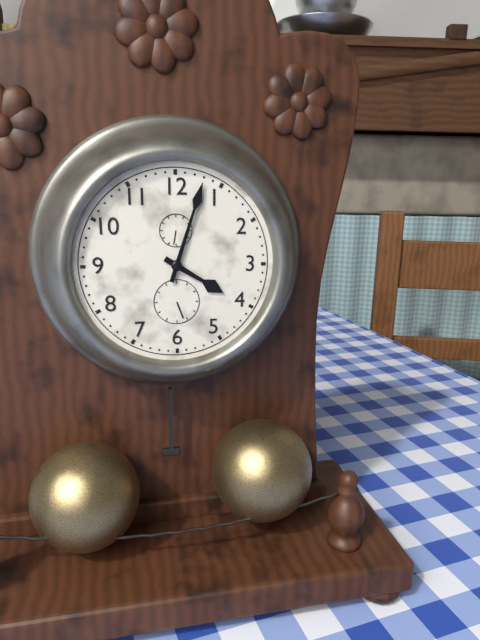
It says 4.03
